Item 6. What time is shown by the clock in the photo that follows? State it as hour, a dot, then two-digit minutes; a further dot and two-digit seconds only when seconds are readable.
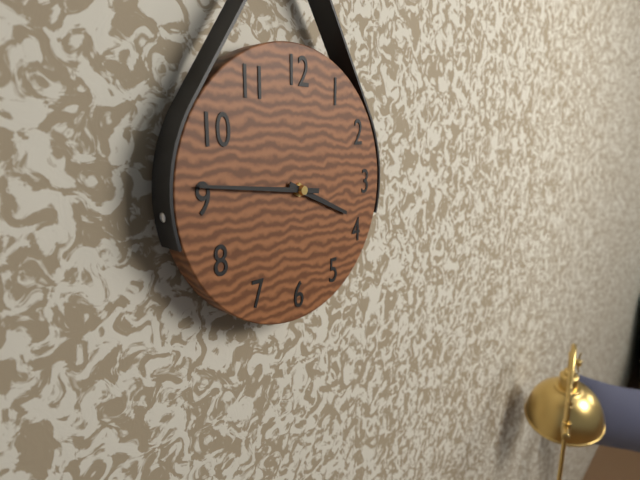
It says 3.46
